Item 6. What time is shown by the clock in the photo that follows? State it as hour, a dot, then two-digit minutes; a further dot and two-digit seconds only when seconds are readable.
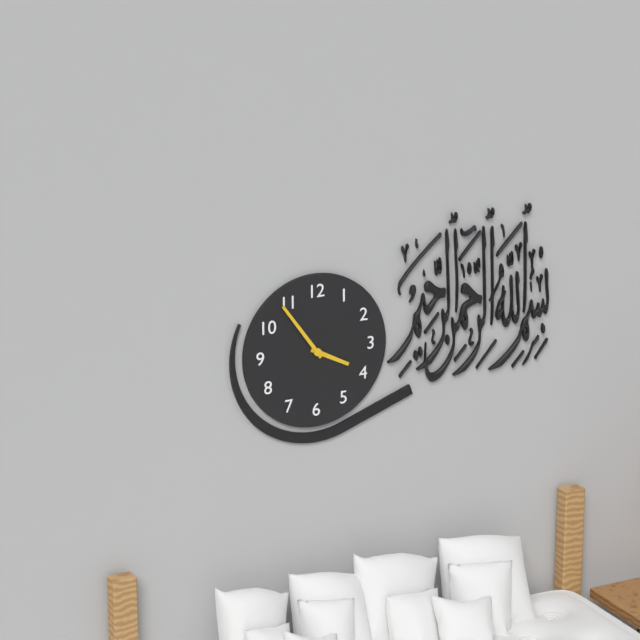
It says 3.54
